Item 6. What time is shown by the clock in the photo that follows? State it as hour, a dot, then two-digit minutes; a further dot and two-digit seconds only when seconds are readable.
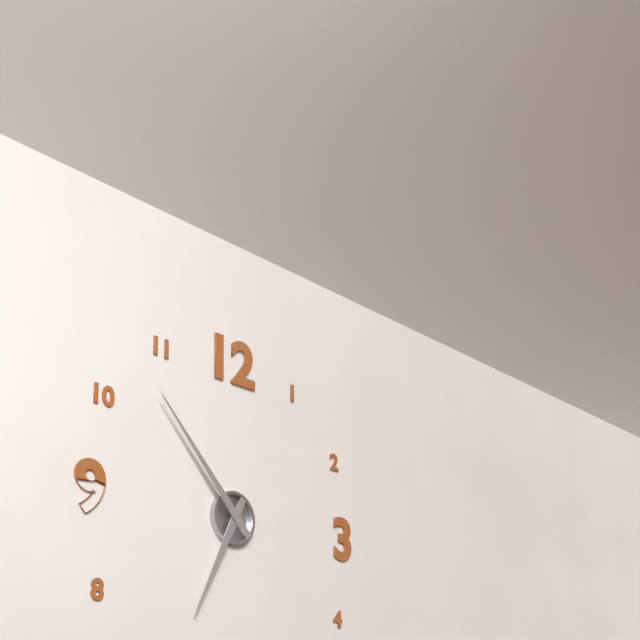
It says 6.53
